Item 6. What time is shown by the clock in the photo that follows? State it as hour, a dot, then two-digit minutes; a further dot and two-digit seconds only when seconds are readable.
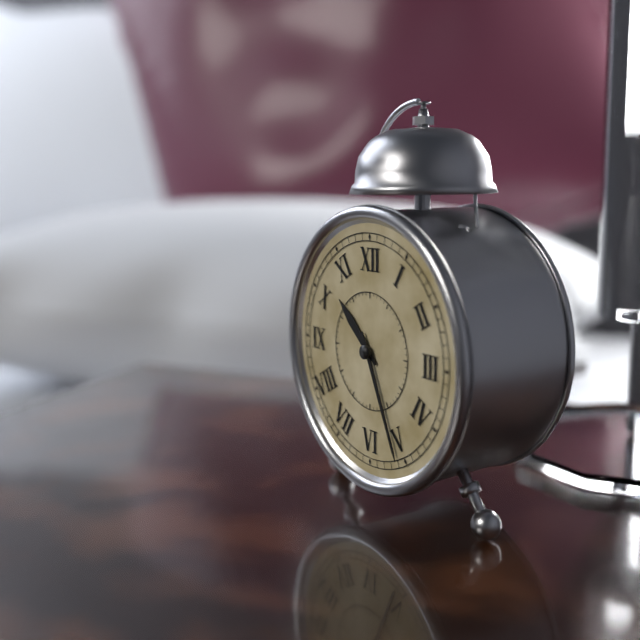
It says 10.26
